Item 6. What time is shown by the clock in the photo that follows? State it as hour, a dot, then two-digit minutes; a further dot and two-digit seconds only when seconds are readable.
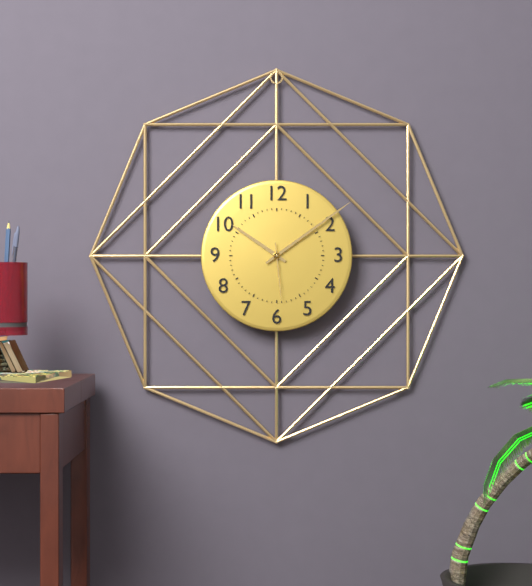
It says 10.09.29
